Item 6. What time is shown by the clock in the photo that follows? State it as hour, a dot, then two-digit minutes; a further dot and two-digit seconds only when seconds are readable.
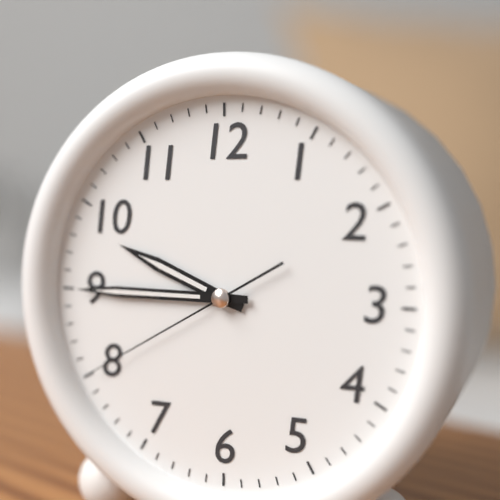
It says 9.45.40
